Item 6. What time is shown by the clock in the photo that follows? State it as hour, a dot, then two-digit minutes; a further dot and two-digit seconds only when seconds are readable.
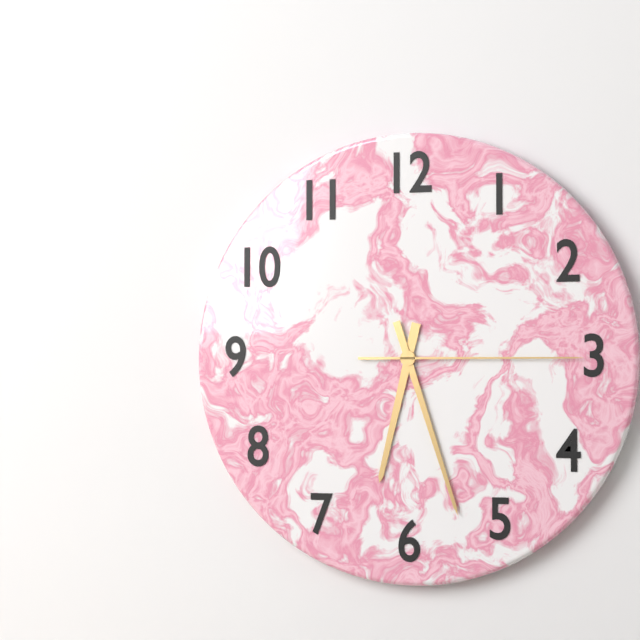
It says 6.27.15
